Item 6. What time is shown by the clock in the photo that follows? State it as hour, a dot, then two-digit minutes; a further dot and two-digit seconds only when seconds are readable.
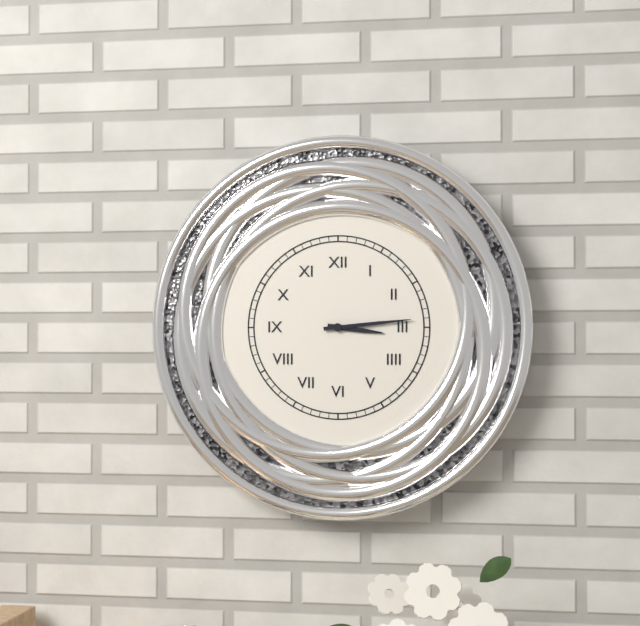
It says 3.14
